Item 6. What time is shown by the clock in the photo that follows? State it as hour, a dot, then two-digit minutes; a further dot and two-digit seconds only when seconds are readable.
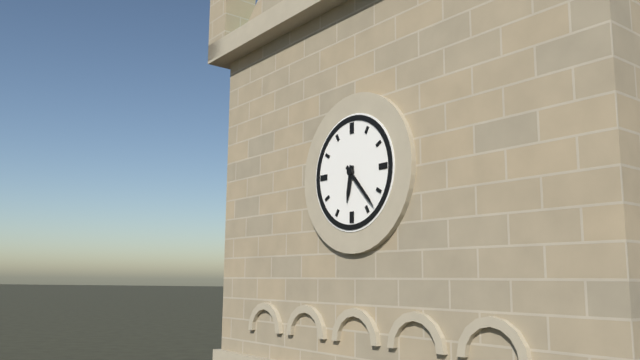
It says 6.23
